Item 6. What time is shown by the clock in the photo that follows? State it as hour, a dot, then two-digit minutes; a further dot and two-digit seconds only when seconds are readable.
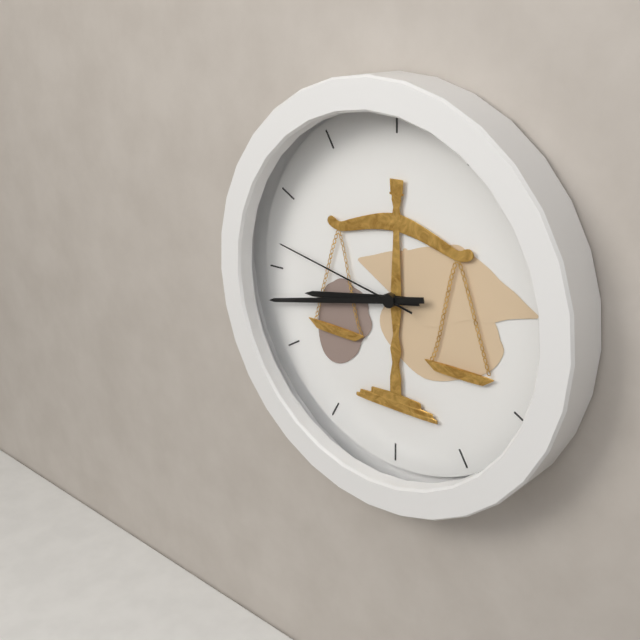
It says 8.43.47
